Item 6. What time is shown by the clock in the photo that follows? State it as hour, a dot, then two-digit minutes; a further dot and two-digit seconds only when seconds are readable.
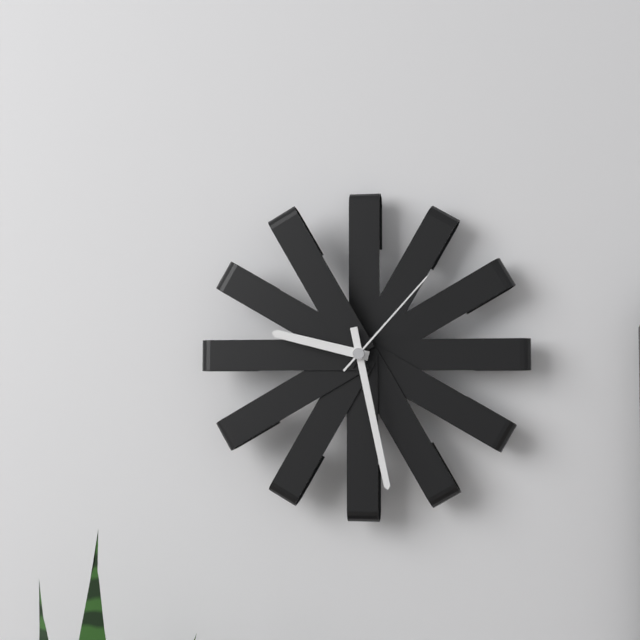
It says 9.28.07
